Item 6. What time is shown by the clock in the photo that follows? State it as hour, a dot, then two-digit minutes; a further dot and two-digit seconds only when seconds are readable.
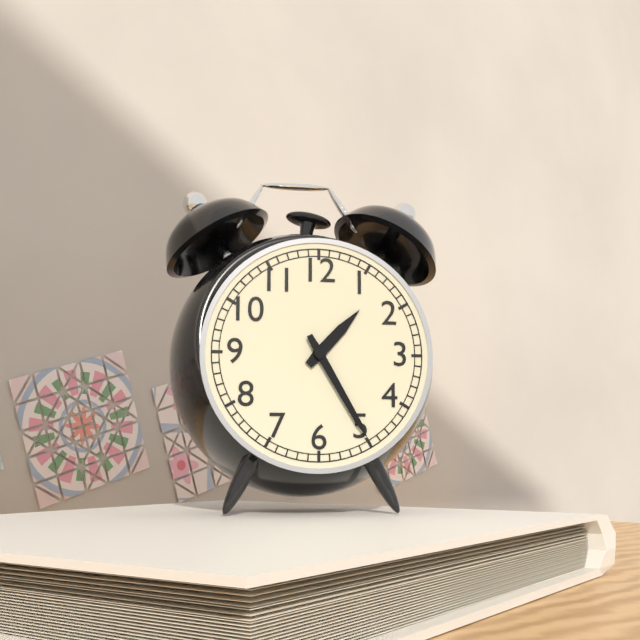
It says 1.25
